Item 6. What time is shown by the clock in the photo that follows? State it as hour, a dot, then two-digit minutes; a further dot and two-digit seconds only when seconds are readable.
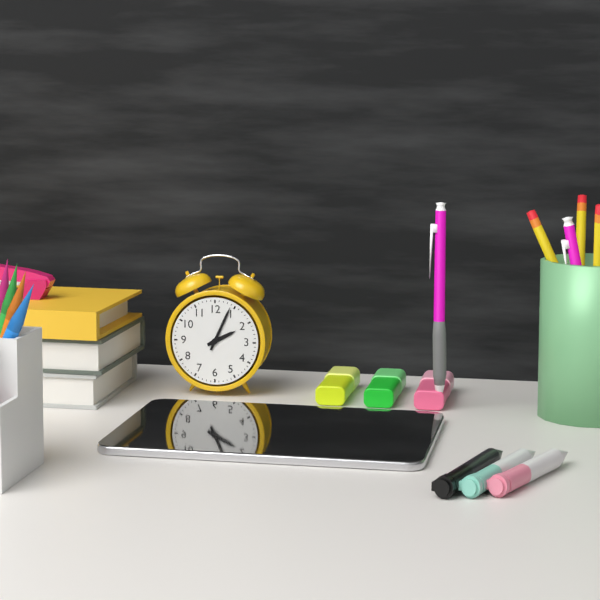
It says 2.04
